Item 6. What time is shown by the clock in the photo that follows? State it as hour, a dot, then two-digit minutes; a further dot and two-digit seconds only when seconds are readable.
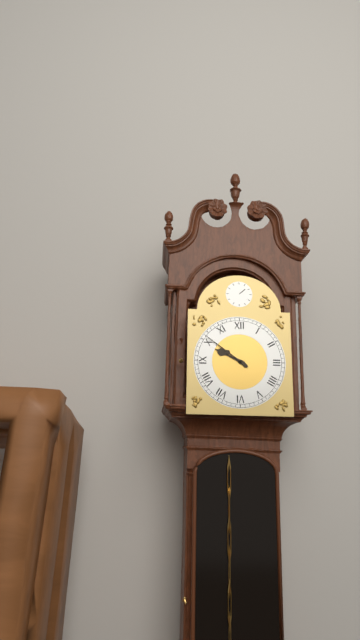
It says 9.51
